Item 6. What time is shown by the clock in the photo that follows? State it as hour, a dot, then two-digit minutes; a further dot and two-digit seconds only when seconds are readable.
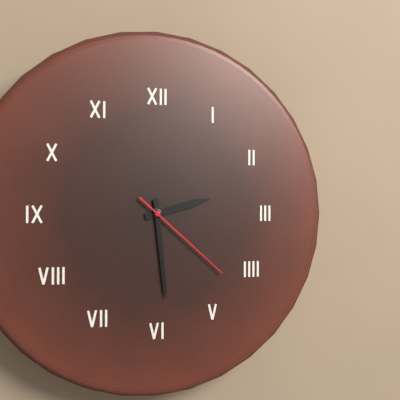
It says 2.29.22
